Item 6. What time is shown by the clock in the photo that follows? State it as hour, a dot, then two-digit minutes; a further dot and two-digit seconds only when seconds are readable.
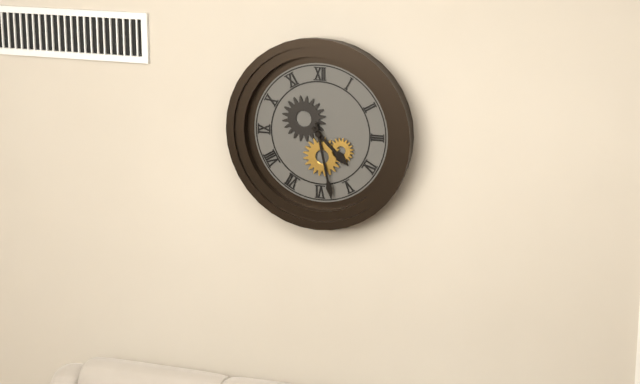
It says 4.28
